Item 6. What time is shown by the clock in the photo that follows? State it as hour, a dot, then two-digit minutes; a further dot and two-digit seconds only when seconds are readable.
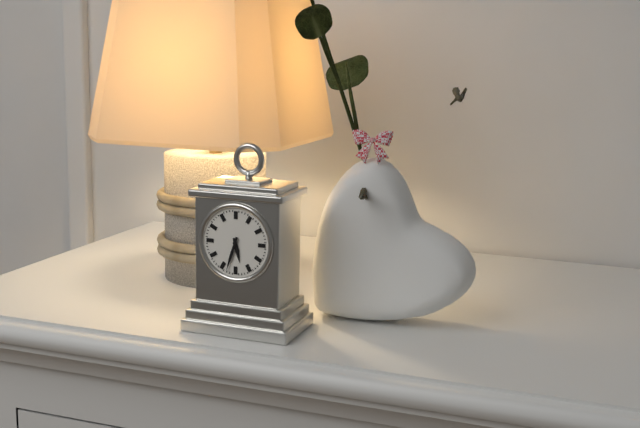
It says 5.33
